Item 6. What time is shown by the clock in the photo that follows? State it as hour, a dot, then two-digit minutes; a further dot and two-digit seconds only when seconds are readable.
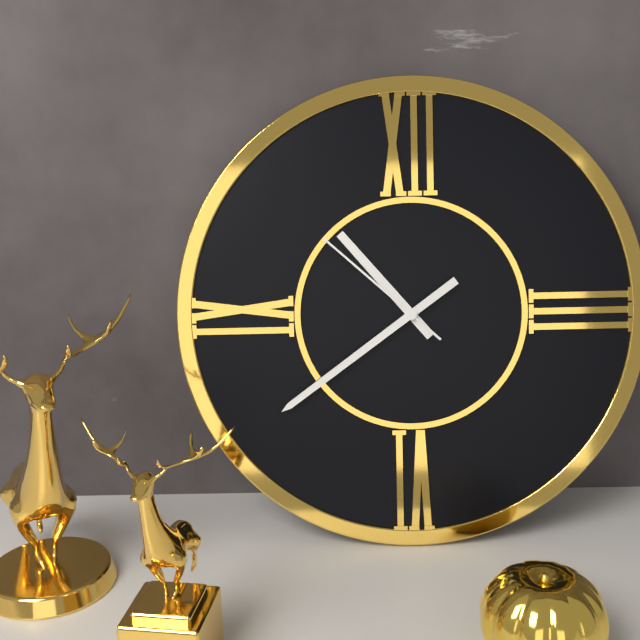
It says 10.39.52
